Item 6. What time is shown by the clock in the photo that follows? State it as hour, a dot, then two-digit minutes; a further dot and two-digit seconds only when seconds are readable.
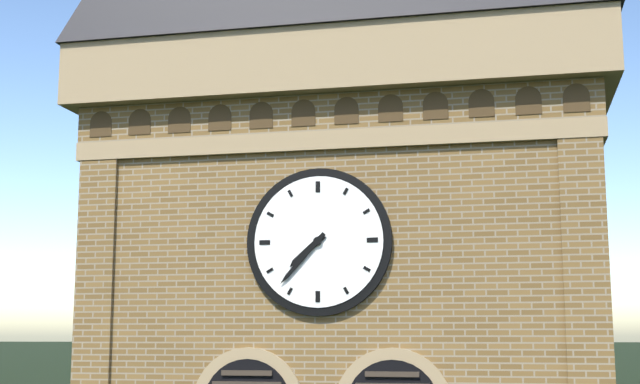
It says 7.37
